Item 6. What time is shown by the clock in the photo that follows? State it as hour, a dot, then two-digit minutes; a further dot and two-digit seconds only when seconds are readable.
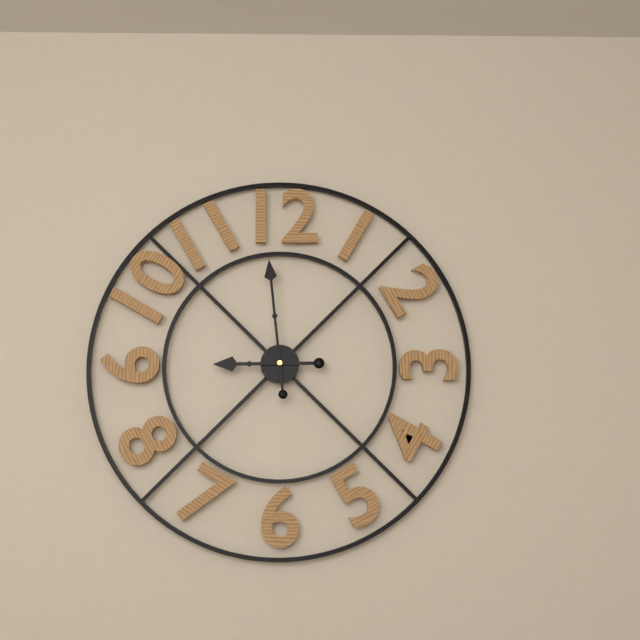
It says 8.59
